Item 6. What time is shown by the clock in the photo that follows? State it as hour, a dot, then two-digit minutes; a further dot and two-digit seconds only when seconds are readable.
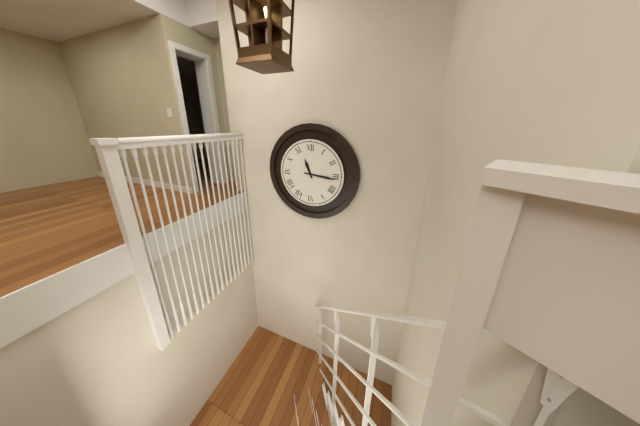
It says 11.16
